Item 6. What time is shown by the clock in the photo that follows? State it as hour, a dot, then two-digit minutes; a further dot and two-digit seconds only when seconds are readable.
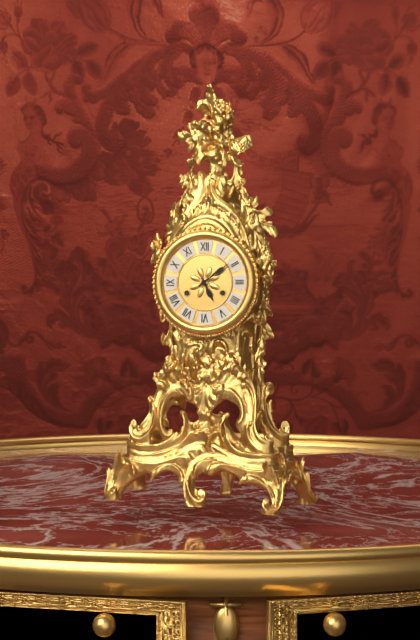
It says 5.09
